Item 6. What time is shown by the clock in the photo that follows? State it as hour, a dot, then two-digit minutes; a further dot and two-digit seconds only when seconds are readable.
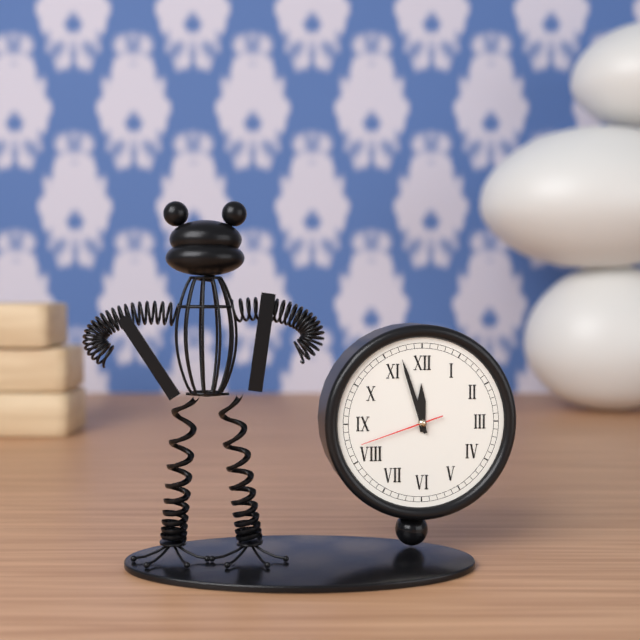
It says 11.57.42
